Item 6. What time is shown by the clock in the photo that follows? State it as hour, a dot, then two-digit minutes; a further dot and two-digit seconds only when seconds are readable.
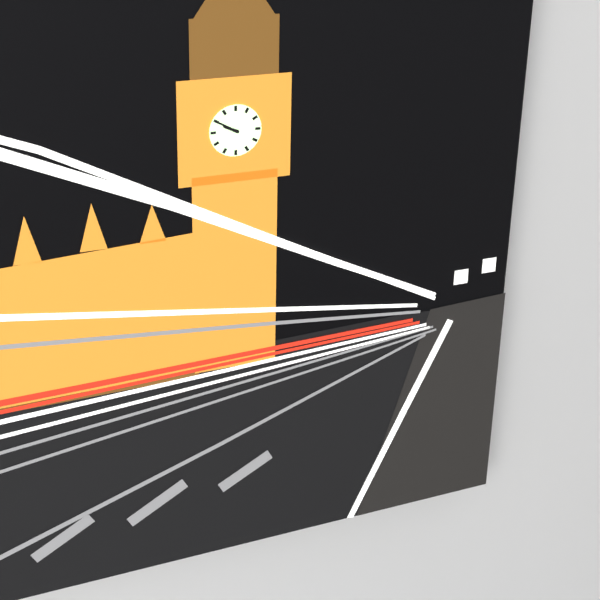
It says 9.50
